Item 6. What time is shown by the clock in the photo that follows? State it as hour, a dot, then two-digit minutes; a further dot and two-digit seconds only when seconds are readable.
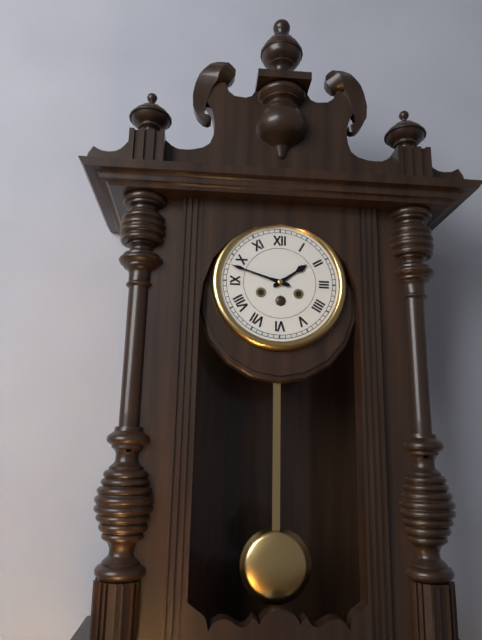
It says 1.48
